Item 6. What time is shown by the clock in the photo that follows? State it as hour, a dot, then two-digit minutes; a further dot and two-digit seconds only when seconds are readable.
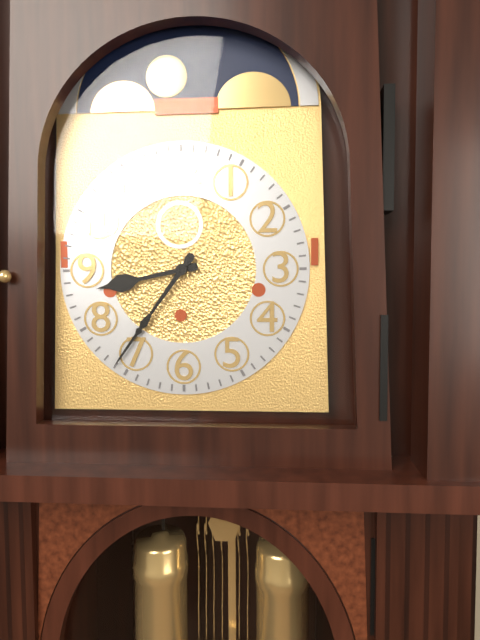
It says 8.36
